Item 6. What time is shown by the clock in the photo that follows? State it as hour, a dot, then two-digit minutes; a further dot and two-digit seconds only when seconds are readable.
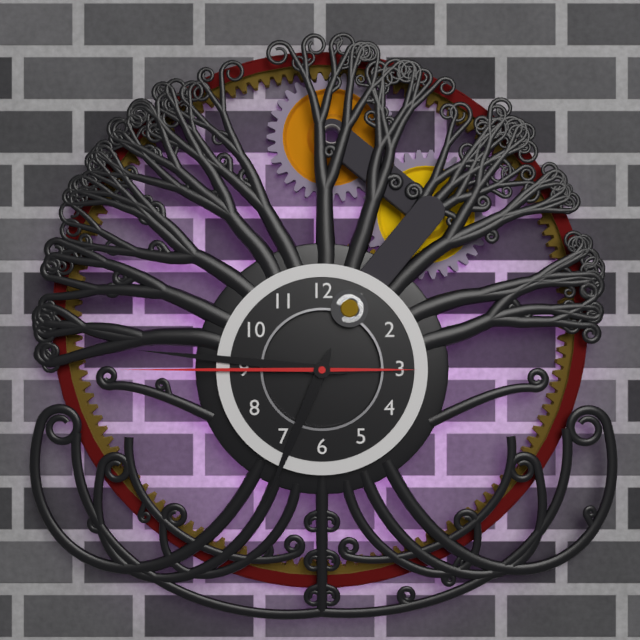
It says 6.46.45
